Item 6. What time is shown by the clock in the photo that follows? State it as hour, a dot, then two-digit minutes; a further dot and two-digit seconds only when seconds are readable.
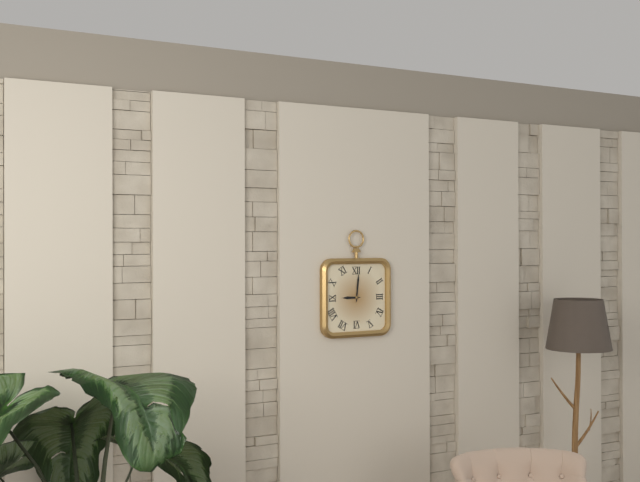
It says 9.01
